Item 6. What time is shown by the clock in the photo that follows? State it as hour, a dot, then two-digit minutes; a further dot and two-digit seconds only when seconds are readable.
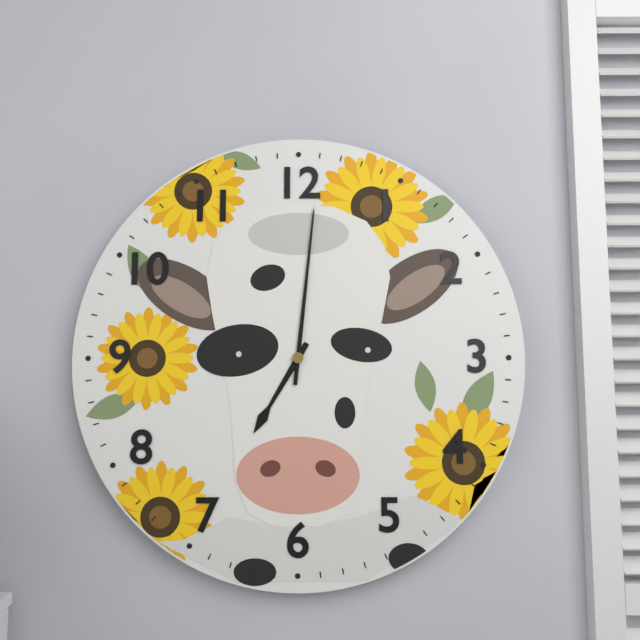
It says 7.01
